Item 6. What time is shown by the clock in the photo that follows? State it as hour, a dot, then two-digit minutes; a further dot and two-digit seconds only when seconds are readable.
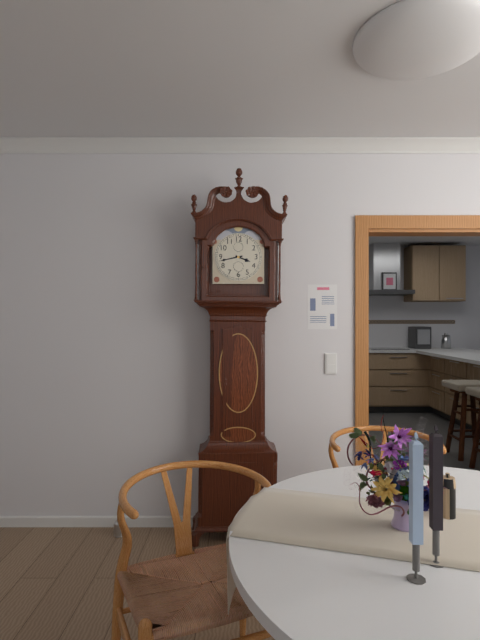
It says 3.43
